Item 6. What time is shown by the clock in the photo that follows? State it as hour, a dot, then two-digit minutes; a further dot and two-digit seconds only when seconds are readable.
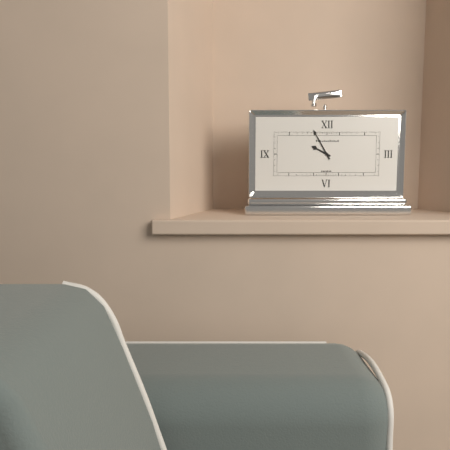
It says 9.55
